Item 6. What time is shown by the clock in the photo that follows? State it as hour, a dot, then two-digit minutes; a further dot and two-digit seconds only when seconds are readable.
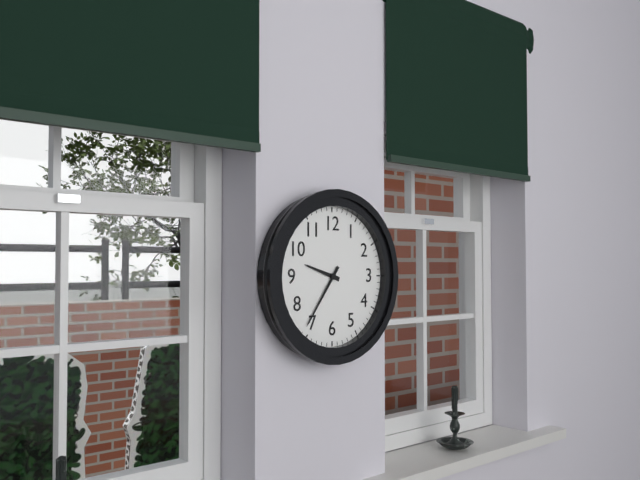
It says 9.36
